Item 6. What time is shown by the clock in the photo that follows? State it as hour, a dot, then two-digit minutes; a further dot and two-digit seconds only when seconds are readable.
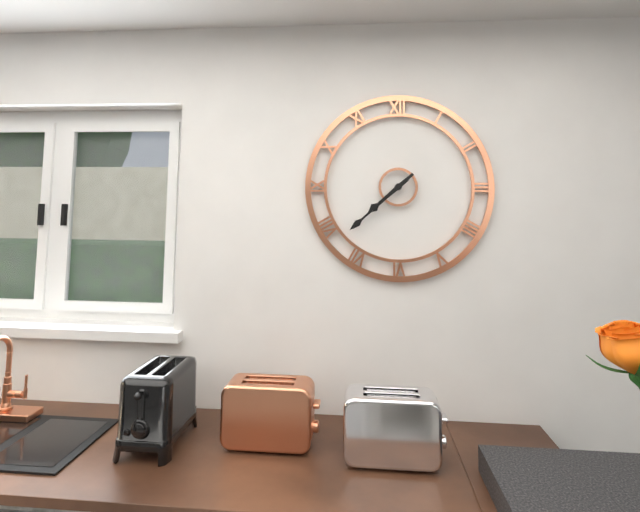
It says 7.38
